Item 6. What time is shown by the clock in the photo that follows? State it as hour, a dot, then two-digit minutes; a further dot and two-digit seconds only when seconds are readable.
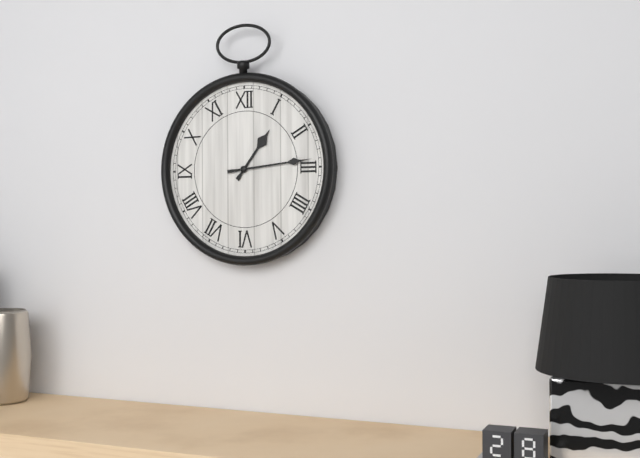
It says 1.14
